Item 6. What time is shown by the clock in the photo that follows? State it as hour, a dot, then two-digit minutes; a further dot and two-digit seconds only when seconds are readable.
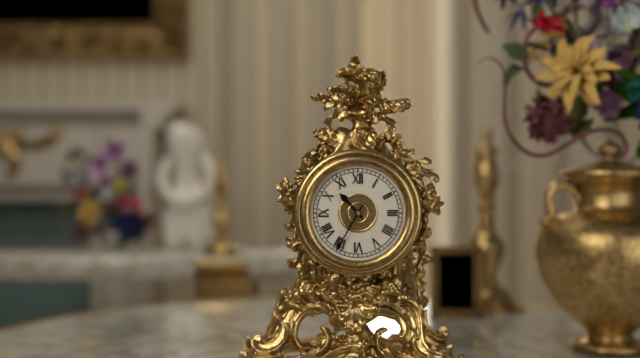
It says 10.35
